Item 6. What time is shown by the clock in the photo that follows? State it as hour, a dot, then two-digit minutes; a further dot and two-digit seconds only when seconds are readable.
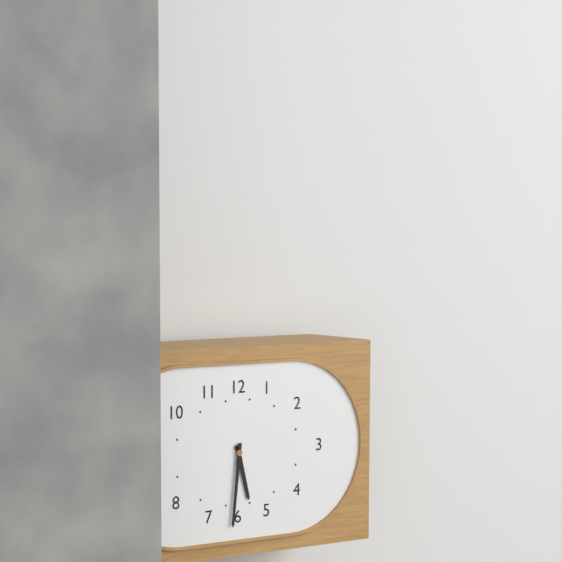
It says 5.31
